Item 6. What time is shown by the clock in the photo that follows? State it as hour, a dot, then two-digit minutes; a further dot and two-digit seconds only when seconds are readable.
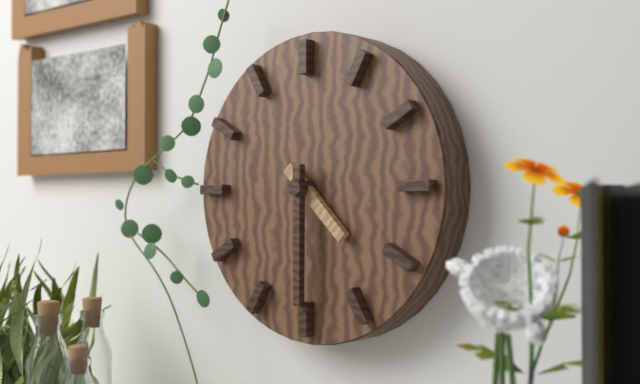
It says 4.30
